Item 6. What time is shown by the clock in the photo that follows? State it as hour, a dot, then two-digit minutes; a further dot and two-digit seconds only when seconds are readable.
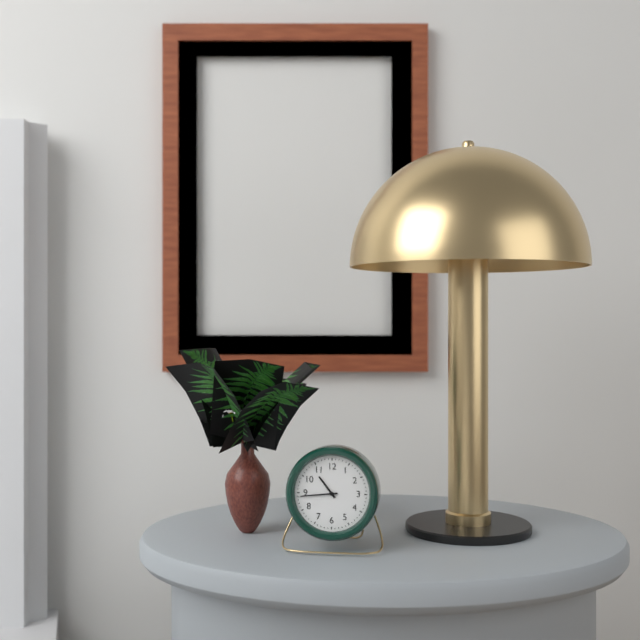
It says 10.44
